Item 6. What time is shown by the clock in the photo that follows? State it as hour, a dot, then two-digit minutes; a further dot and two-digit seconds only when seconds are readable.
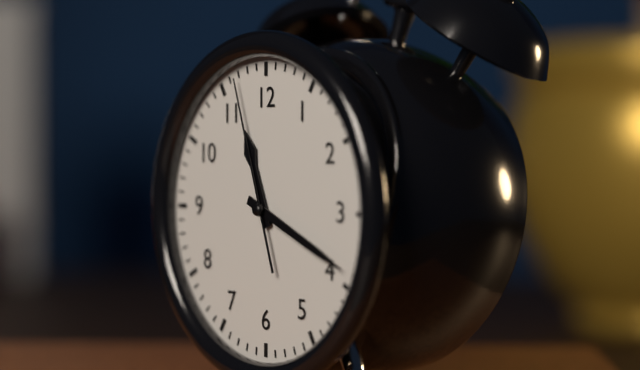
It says 11.19.57
